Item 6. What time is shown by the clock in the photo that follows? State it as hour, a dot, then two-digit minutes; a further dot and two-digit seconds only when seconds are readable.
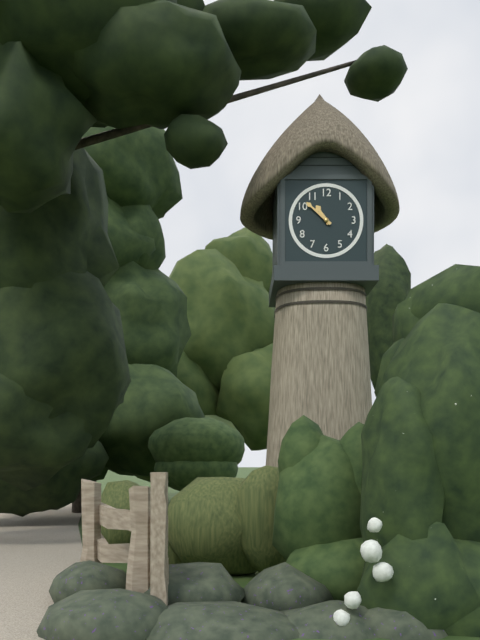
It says 10.52
